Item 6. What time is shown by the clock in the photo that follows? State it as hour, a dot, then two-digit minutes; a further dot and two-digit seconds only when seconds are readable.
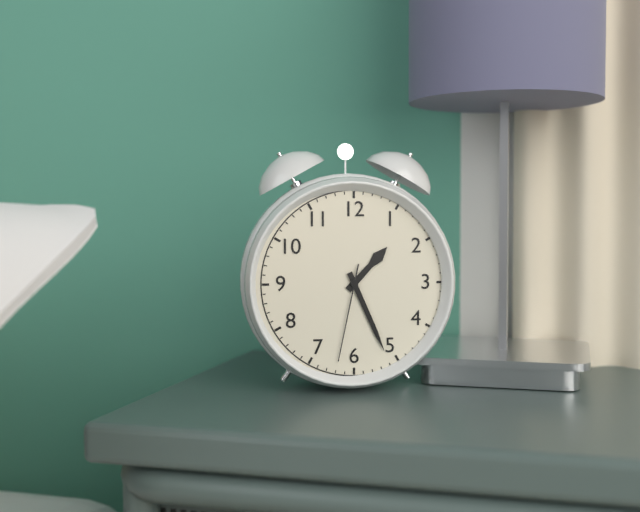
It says 1.26.32
